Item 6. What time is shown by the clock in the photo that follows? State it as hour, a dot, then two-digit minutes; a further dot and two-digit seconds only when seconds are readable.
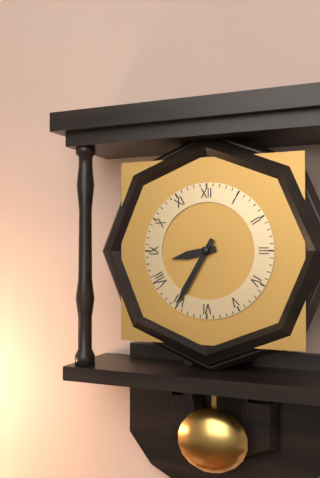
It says 8.35
